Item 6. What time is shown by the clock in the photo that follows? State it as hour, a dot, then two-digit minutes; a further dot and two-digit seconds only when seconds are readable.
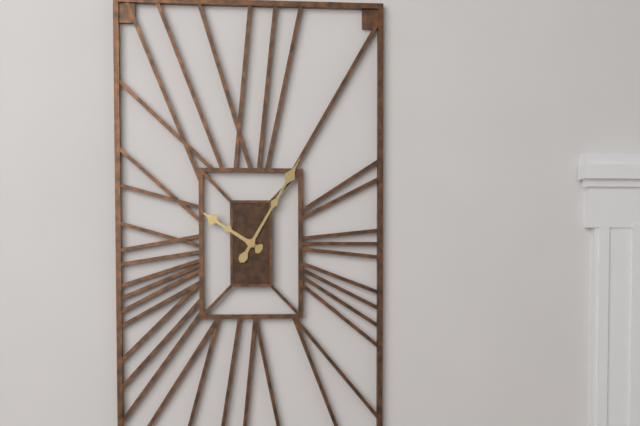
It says 10.05
